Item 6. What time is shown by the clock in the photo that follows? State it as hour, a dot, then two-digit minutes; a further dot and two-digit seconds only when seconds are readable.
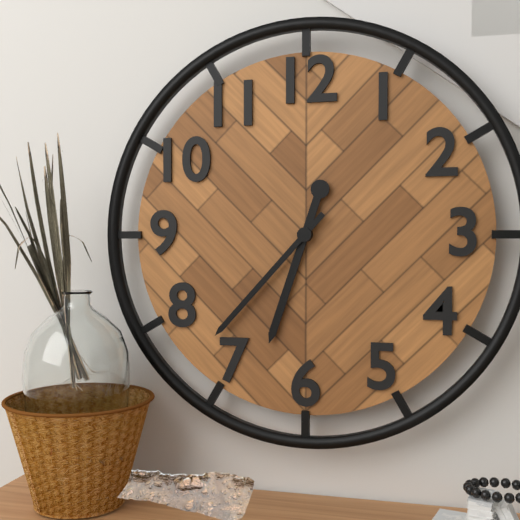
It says 6.37
